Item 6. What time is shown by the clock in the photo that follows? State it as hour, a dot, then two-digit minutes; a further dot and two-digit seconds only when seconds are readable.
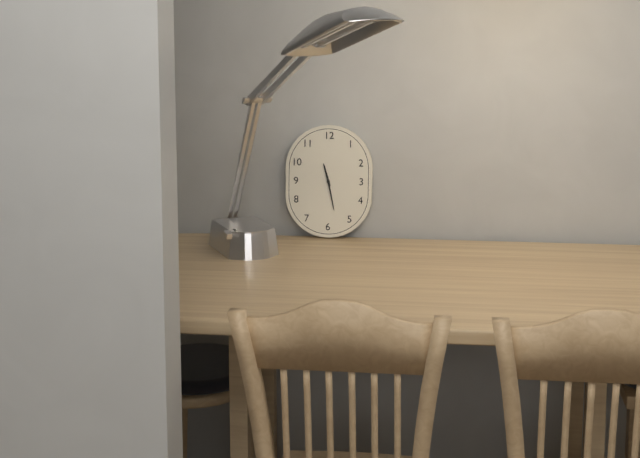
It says 11.28
